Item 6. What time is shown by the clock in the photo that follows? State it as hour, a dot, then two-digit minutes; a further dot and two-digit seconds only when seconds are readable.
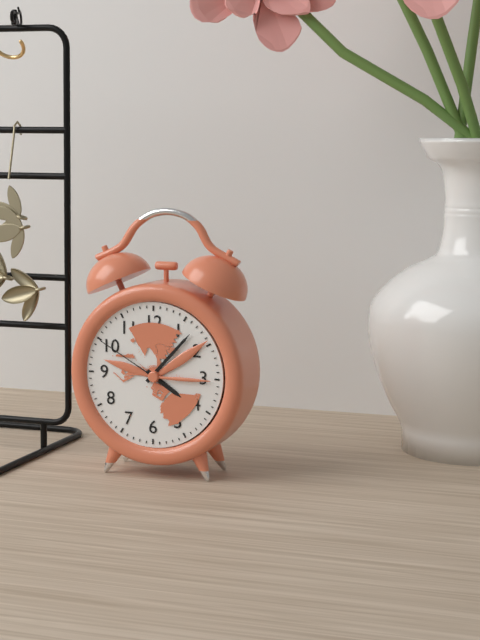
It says 4.07.50
